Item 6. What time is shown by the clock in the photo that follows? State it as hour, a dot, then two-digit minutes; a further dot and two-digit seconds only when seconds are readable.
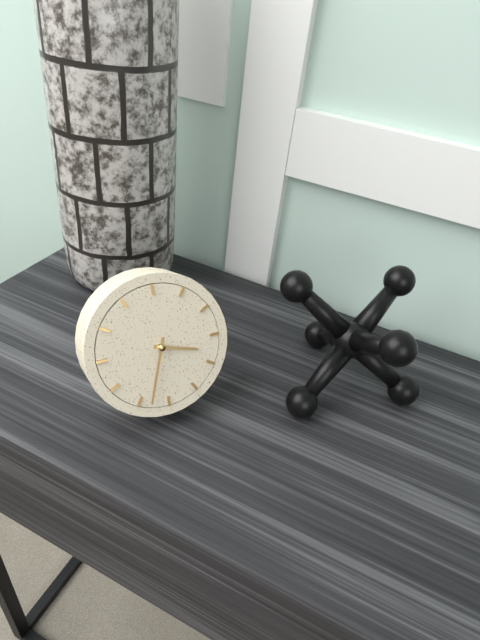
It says 3.33
